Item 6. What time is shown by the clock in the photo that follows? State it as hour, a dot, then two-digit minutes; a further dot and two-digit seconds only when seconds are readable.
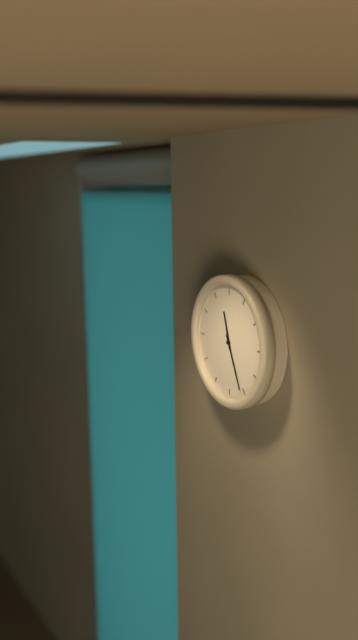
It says 11.26
